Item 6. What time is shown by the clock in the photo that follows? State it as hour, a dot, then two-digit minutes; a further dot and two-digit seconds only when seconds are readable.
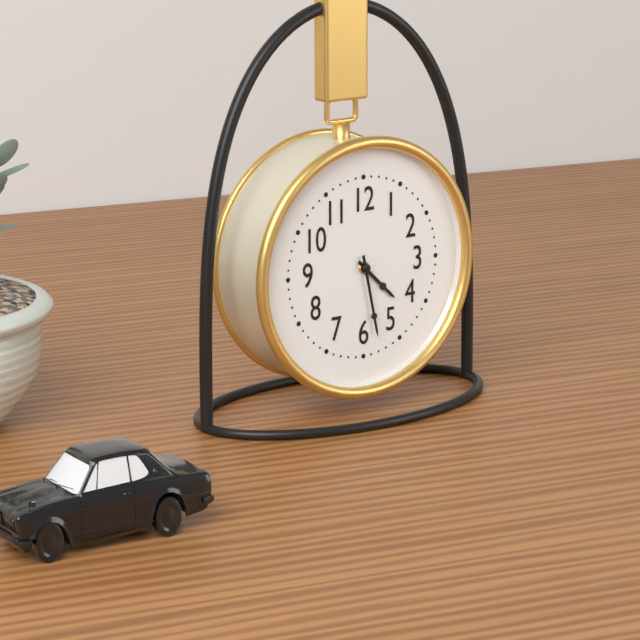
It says 4.28
